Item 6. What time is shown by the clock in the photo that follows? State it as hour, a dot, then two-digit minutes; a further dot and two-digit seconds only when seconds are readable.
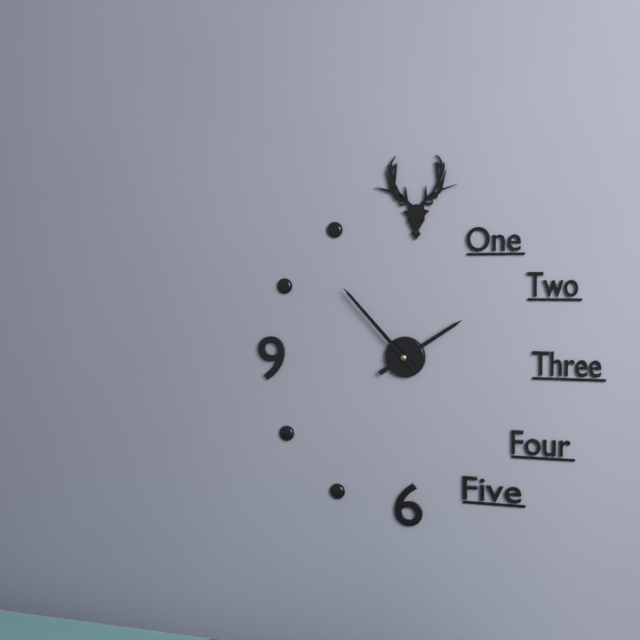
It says 1.53
